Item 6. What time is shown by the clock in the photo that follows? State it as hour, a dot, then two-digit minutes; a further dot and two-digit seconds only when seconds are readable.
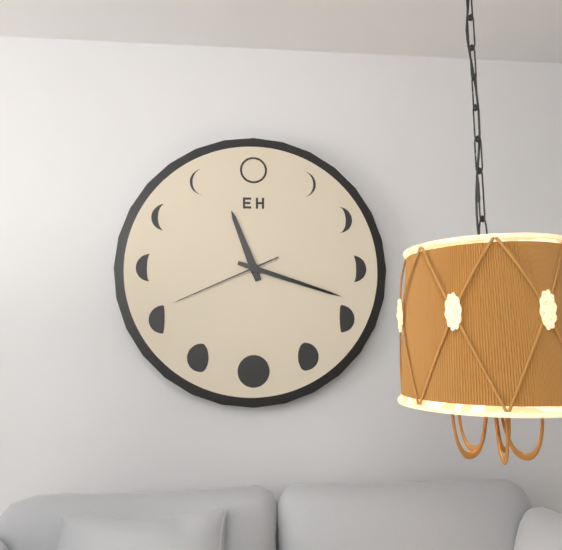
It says 11.18.41
